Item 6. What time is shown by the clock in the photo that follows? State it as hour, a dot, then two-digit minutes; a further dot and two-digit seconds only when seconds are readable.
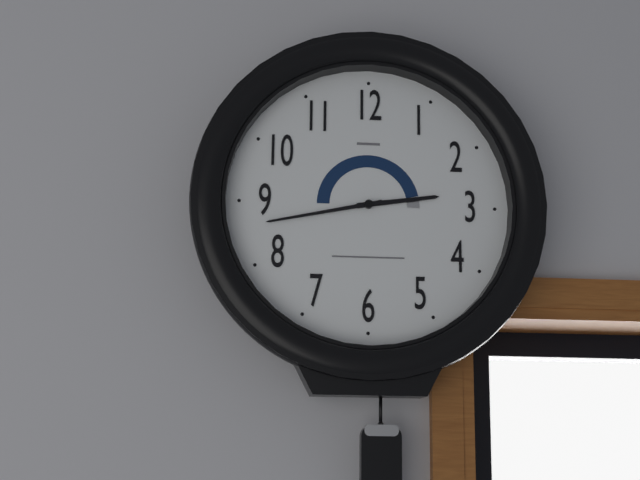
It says 2.43
